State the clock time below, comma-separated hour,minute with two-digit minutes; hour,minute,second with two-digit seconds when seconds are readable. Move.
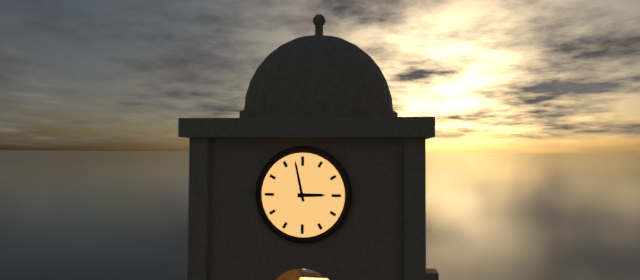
2,58
